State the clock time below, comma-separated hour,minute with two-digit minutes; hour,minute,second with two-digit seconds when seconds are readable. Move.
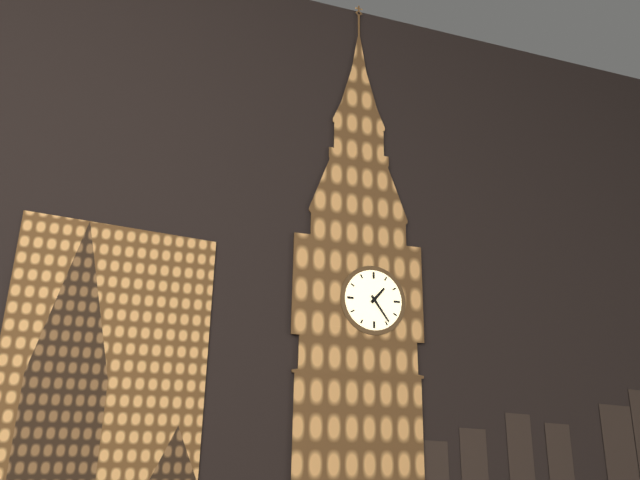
1,24
